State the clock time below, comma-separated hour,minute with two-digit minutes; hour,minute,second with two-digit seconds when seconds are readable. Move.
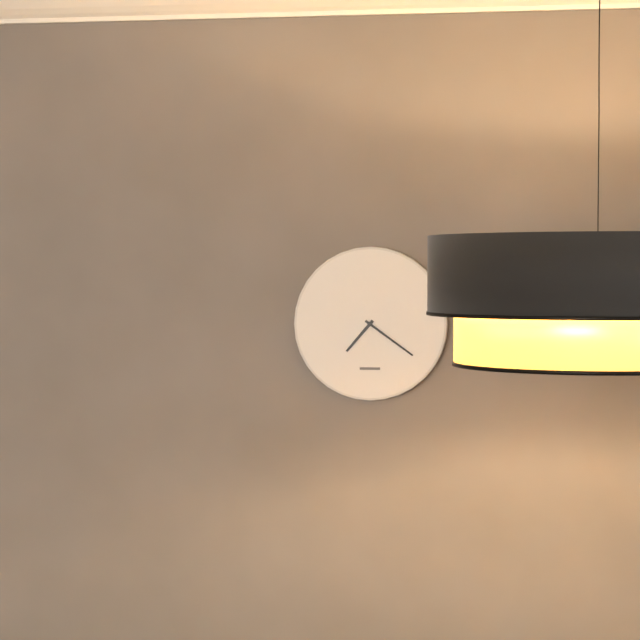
7,21
